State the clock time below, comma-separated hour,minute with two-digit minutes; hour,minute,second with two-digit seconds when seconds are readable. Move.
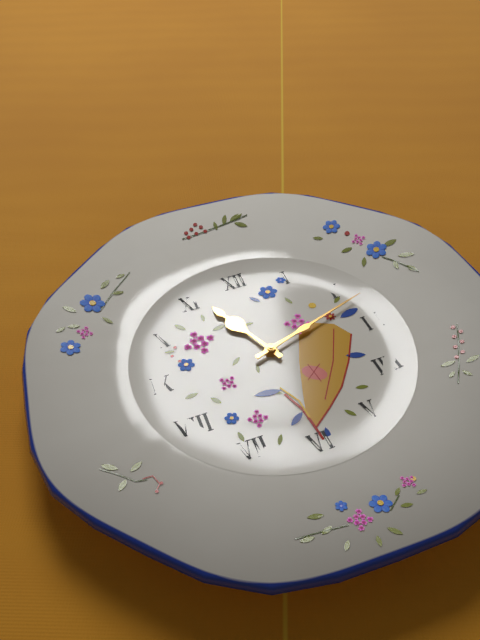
11,12
